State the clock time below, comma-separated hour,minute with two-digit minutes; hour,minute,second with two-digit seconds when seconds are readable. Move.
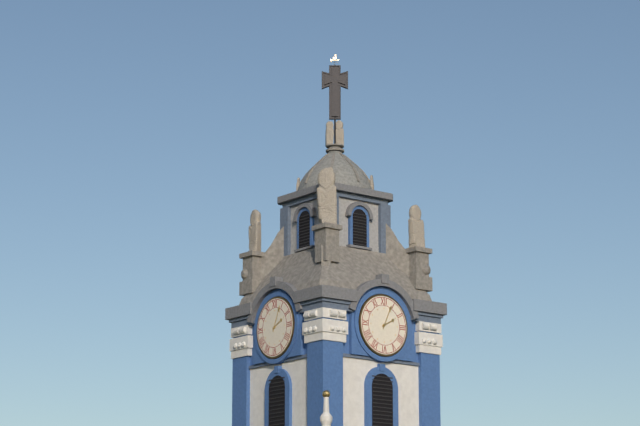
2,04
